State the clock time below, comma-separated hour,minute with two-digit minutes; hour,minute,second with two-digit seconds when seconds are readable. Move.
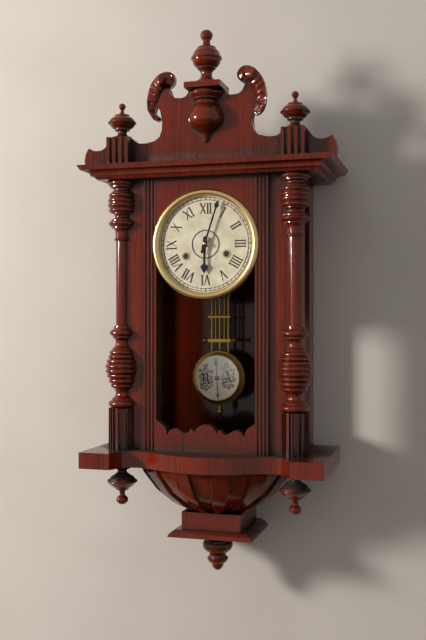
6,03
